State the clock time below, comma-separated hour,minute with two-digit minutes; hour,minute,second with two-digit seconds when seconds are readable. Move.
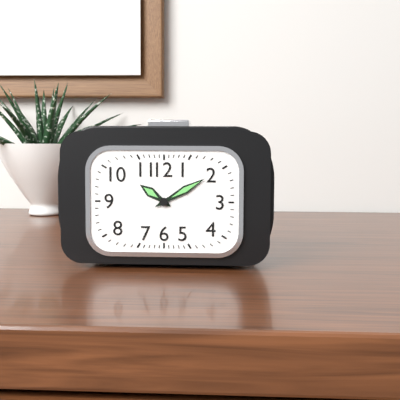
10,10
